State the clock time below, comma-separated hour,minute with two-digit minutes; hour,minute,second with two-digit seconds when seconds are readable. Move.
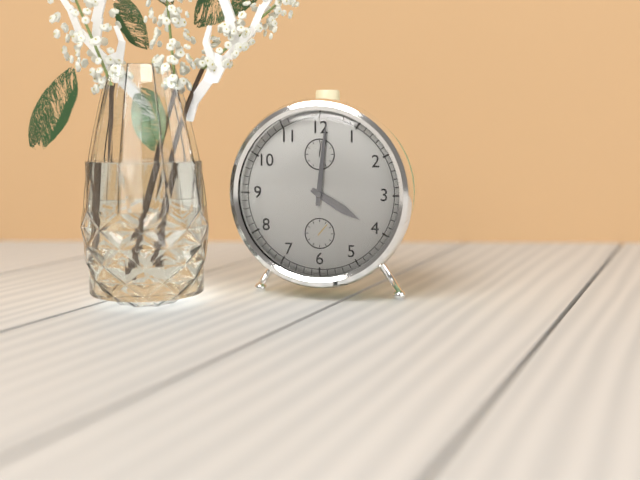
4,01
